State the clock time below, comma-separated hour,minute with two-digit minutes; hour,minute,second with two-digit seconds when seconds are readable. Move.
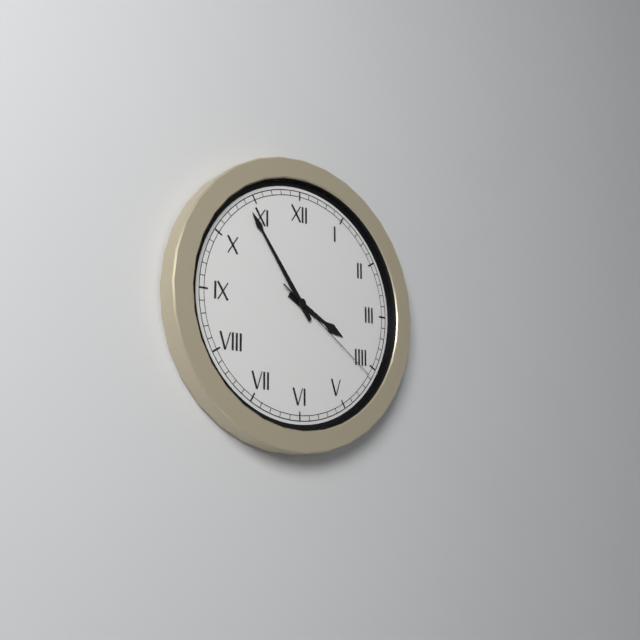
3,54,21
